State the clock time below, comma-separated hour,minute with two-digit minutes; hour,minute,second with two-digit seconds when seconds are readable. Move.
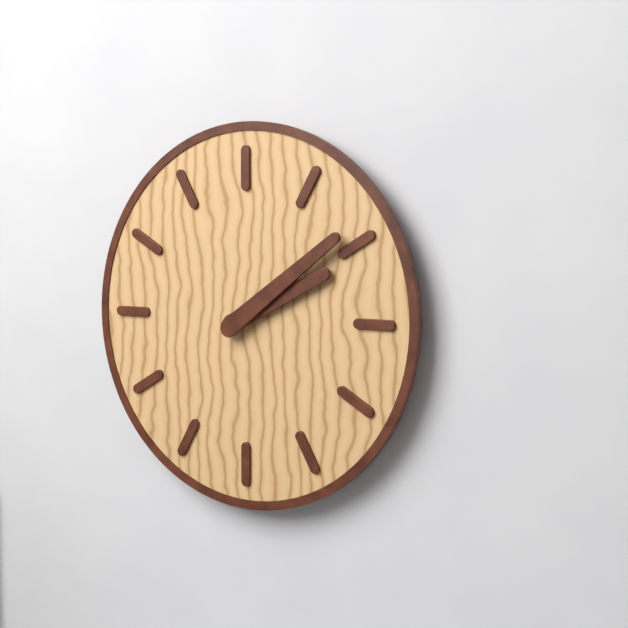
2,09
